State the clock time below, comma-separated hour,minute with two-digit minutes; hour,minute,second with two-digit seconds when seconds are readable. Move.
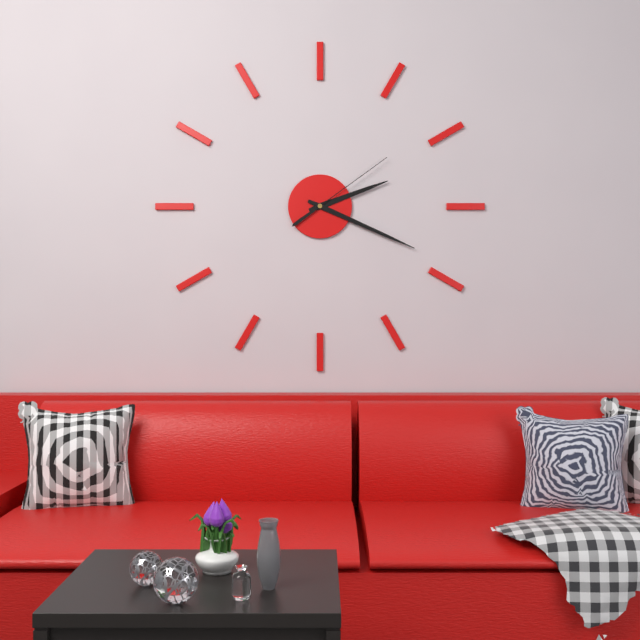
2,19,09
